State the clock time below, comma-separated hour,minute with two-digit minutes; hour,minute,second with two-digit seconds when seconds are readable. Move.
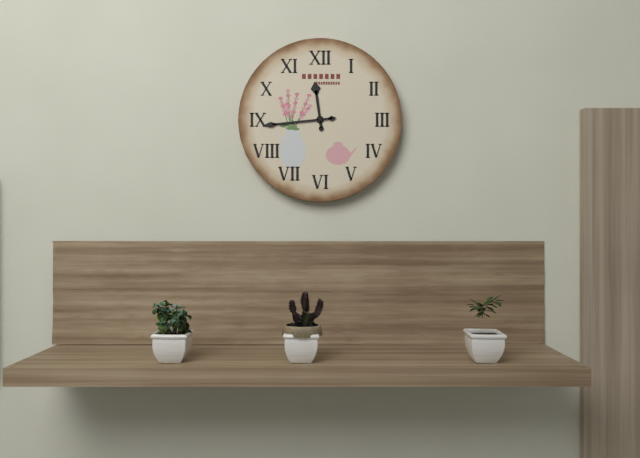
11,44
